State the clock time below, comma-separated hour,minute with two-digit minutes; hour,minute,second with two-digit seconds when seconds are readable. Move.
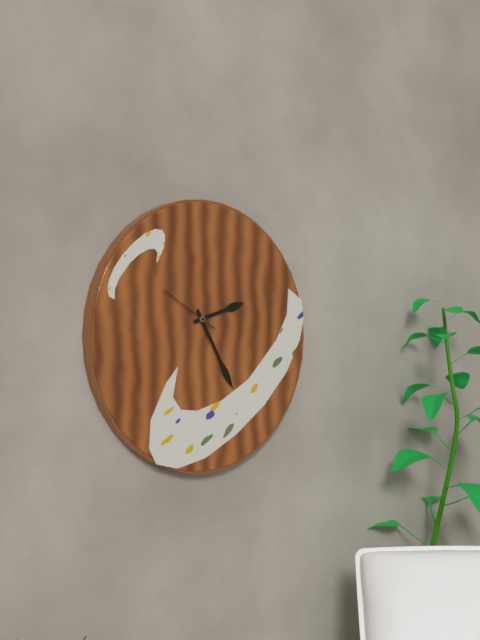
2,25,50
